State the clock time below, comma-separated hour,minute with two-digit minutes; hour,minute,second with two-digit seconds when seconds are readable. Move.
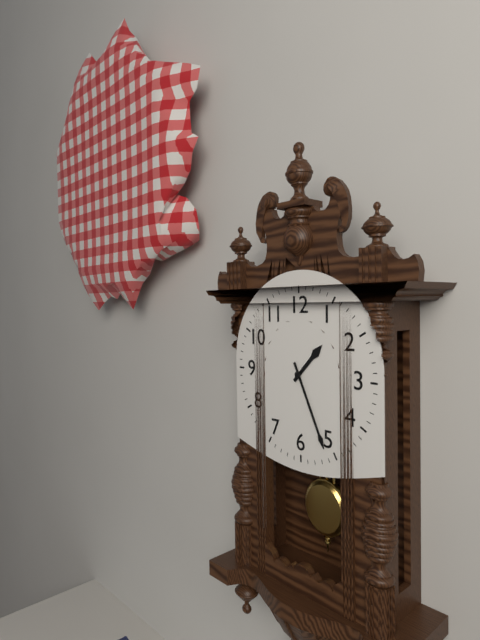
1,26
